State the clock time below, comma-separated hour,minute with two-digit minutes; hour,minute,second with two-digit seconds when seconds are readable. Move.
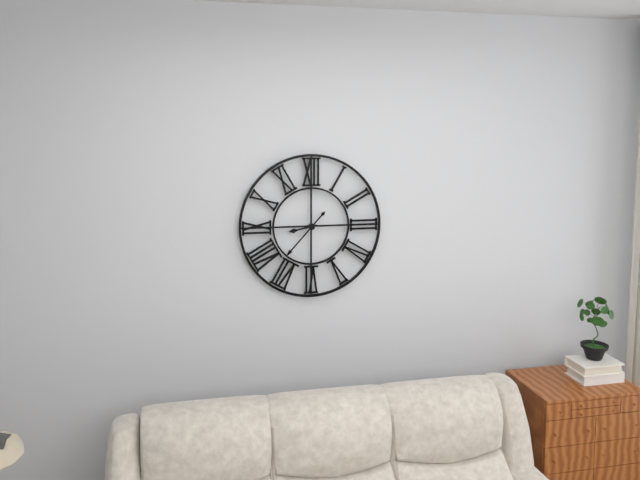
8,37
